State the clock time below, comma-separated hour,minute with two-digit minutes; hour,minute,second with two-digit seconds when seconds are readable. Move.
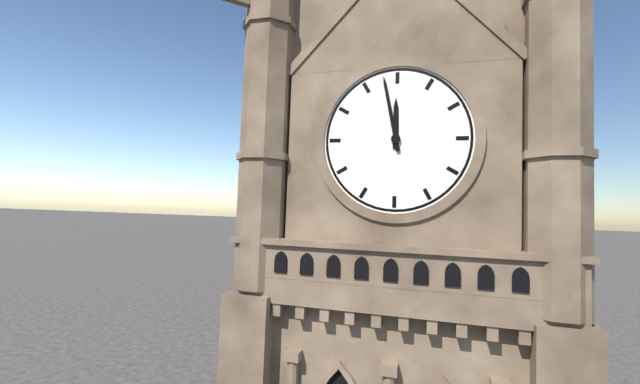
11,58
